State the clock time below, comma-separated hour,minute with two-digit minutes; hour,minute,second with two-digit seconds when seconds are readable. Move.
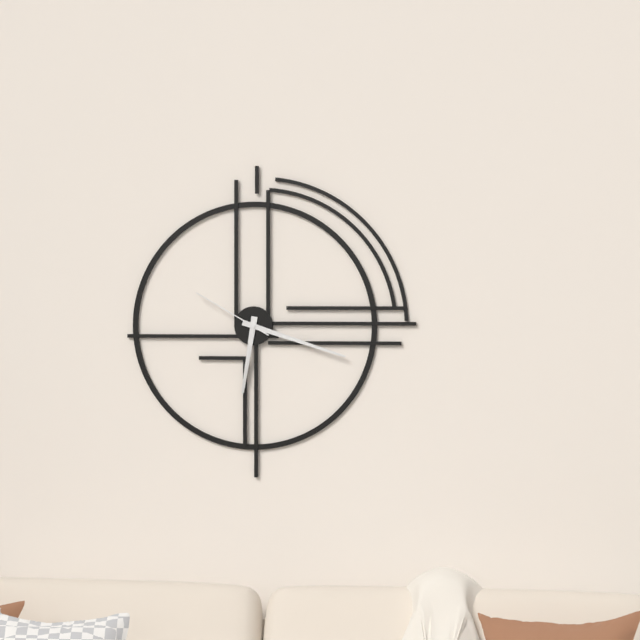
6,18,50
